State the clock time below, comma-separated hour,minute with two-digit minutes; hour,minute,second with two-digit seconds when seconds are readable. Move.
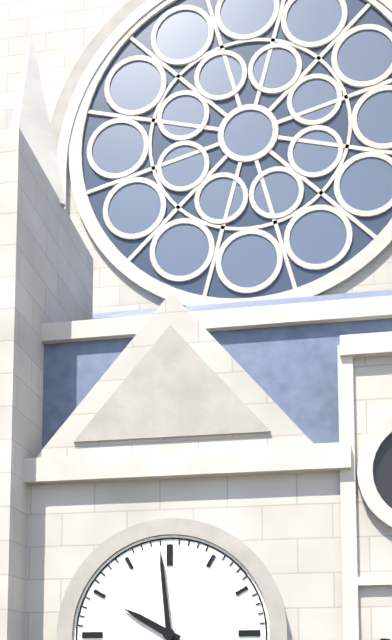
9,59
